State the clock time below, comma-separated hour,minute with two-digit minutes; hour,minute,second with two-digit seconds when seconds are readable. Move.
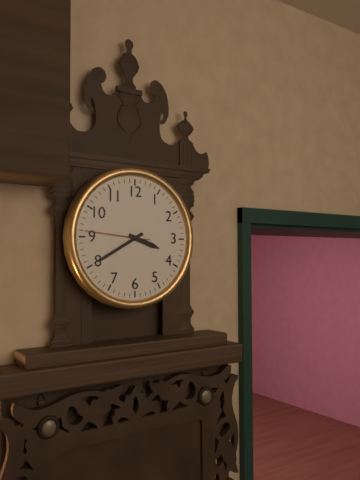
3,40,46
